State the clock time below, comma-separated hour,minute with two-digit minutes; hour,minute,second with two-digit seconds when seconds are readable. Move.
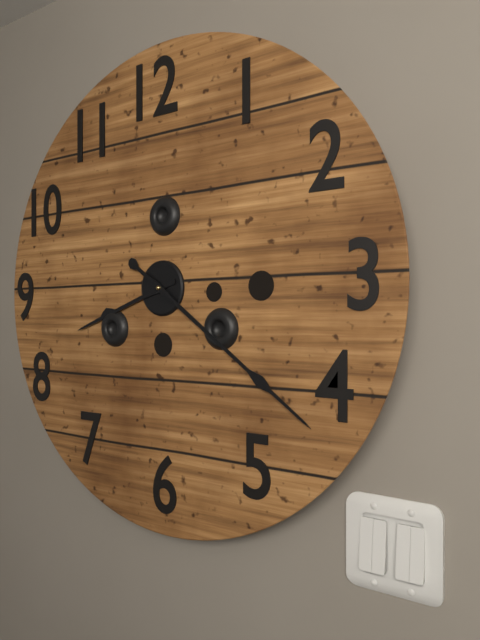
8,21
